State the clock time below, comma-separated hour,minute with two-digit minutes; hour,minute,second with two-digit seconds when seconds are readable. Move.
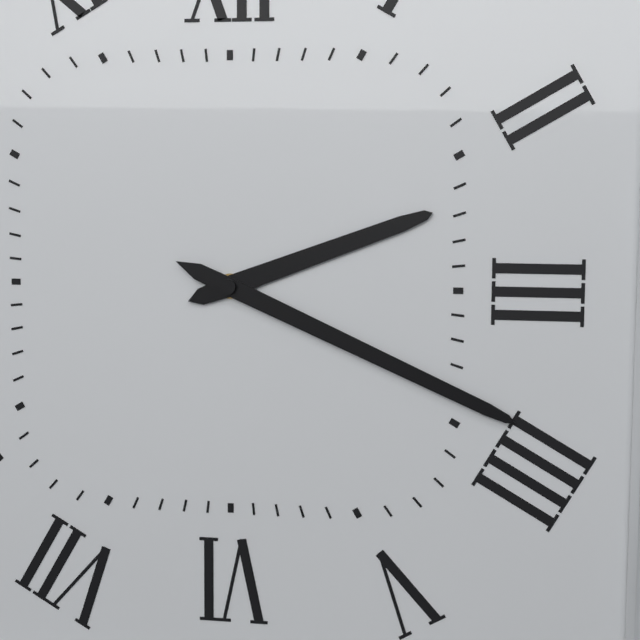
2,19
